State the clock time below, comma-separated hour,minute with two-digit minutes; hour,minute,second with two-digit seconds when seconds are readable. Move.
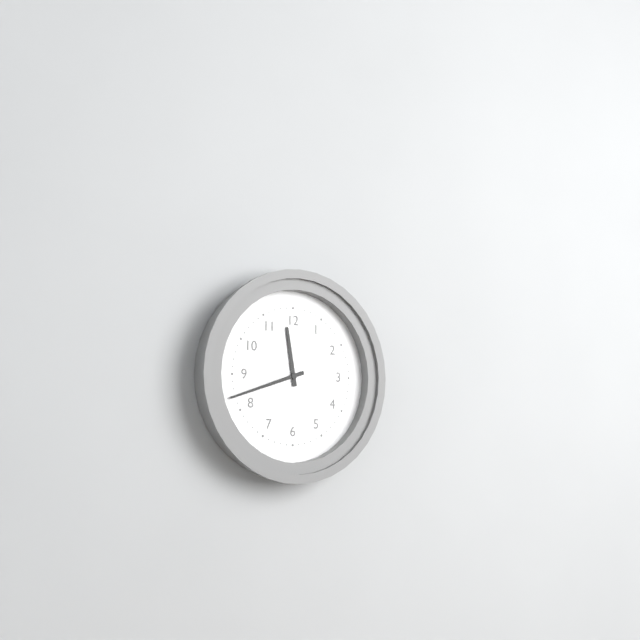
11,42
